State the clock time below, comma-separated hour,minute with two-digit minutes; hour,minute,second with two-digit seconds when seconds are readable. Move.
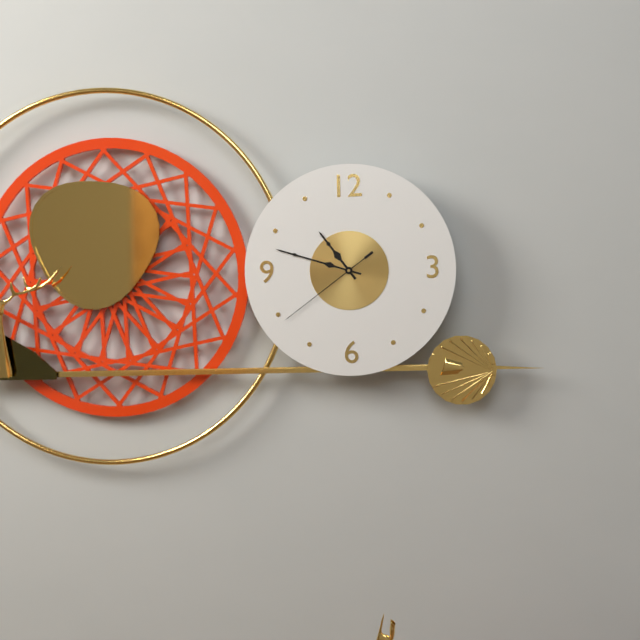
10,48,39
